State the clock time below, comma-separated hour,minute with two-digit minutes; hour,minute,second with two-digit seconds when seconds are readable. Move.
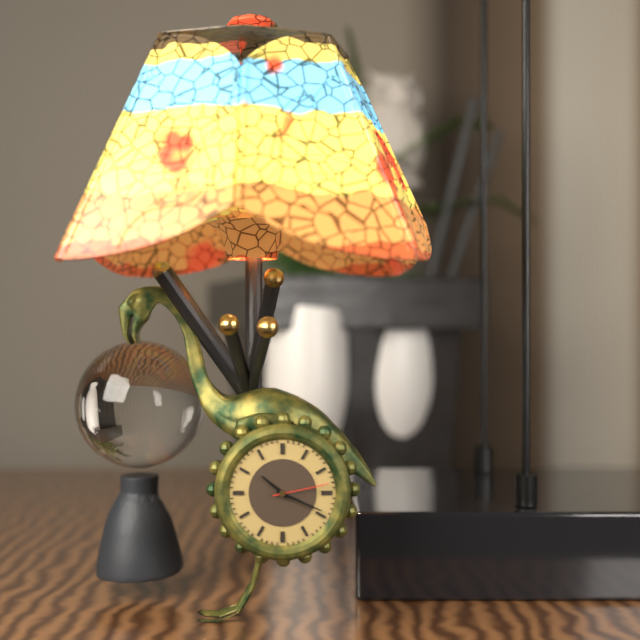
10,19,13
